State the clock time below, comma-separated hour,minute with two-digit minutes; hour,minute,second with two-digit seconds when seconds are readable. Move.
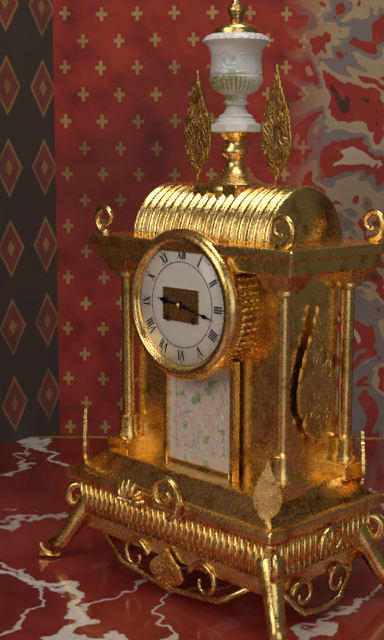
9,17
